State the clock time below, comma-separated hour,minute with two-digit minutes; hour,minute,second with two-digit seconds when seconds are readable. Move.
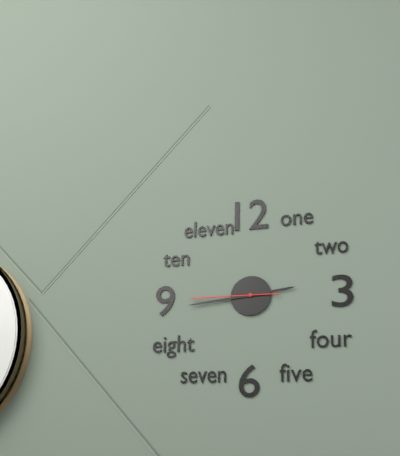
2,44,45
